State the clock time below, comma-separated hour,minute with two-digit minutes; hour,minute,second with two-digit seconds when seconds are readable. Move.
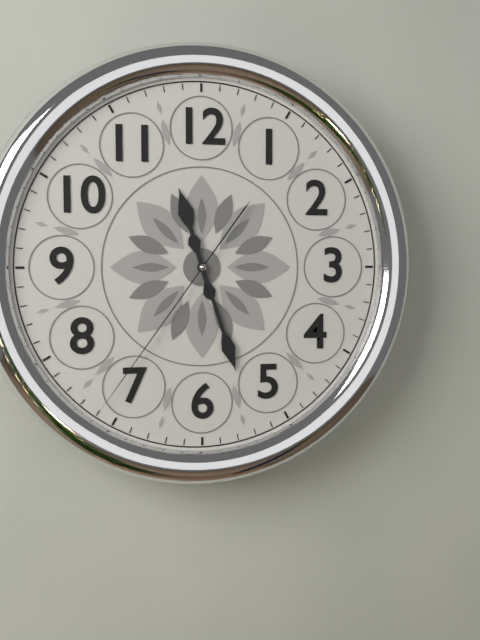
11,27,36
